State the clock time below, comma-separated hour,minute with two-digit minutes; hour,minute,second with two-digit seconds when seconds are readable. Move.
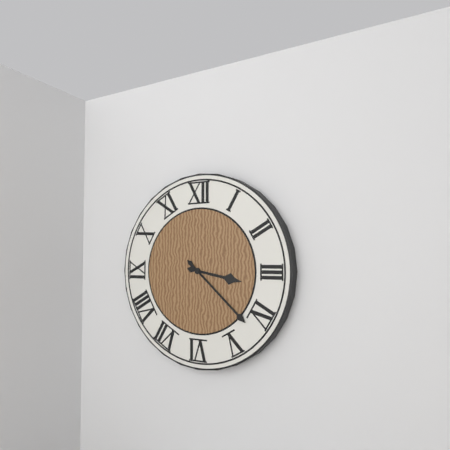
3,22
